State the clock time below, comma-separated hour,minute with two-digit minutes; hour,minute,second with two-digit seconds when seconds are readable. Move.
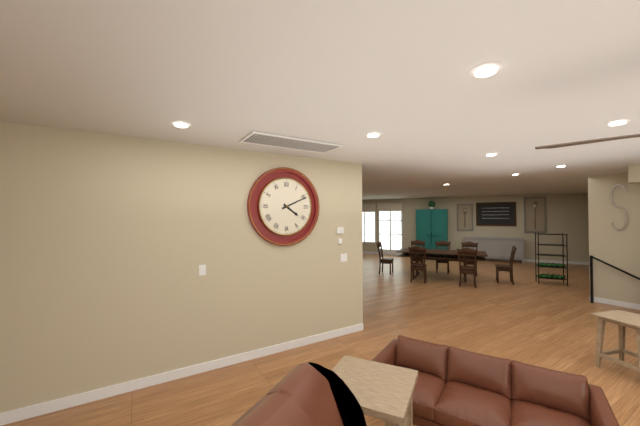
4,11
